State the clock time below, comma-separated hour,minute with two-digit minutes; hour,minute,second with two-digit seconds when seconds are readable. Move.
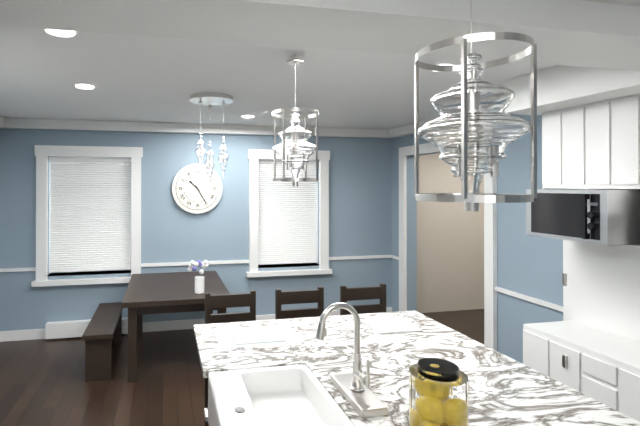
10,25
